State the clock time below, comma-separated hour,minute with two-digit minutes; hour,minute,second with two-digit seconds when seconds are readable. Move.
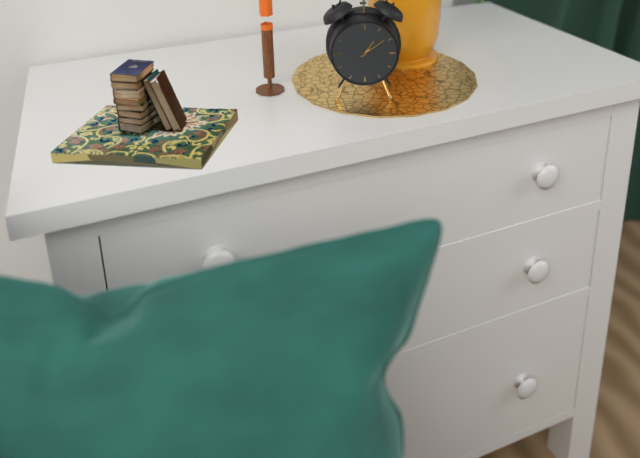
1,09
